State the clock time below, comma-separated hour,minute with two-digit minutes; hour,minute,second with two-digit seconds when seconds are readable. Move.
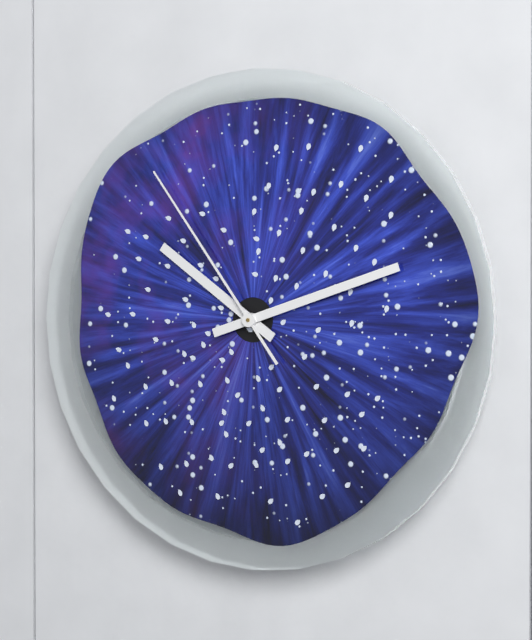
10,12,54
